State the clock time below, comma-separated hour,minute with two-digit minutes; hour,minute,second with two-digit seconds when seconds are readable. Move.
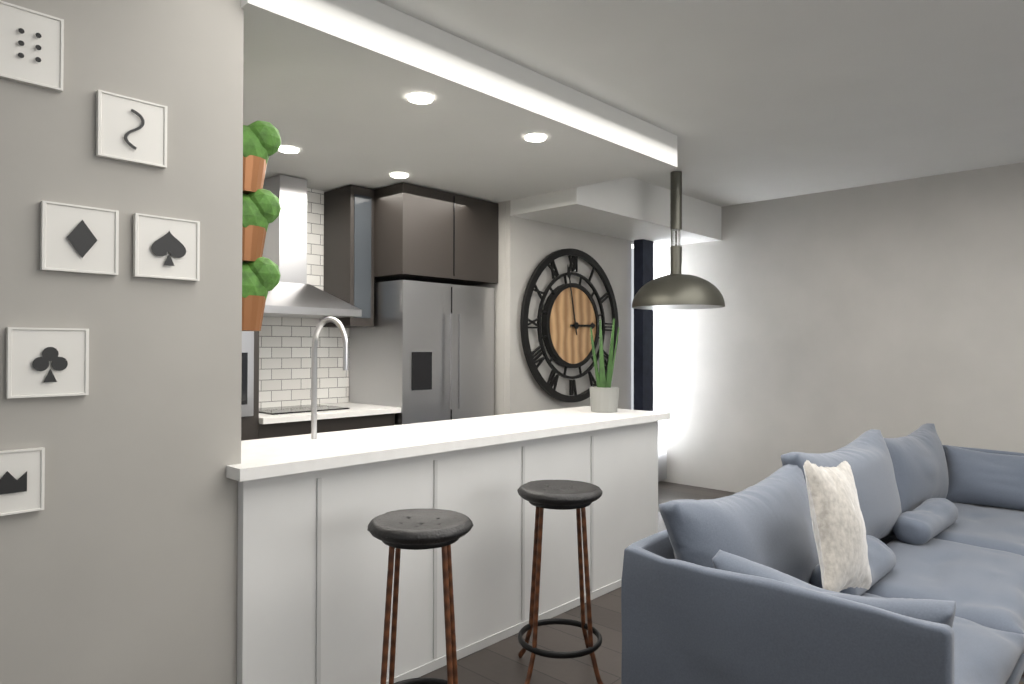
2,58
